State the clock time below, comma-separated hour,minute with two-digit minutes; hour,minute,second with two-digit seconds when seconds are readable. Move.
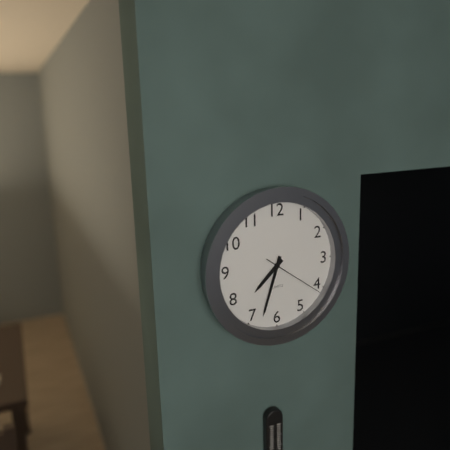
7,33,21
